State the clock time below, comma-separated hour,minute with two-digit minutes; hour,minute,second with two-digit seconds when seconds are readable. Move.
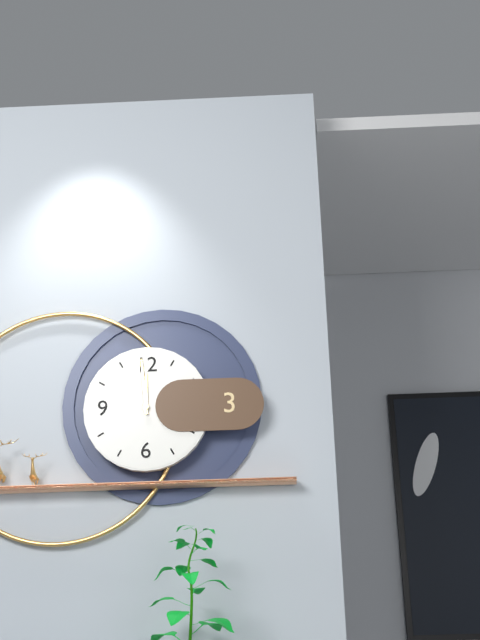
11,59
